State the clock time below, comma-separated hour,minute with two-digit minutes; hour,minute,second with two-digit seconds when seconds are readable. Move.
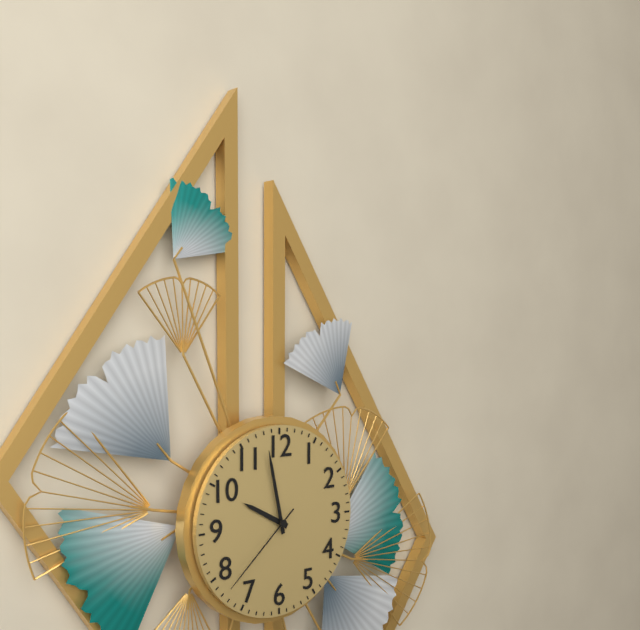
9,58,38
